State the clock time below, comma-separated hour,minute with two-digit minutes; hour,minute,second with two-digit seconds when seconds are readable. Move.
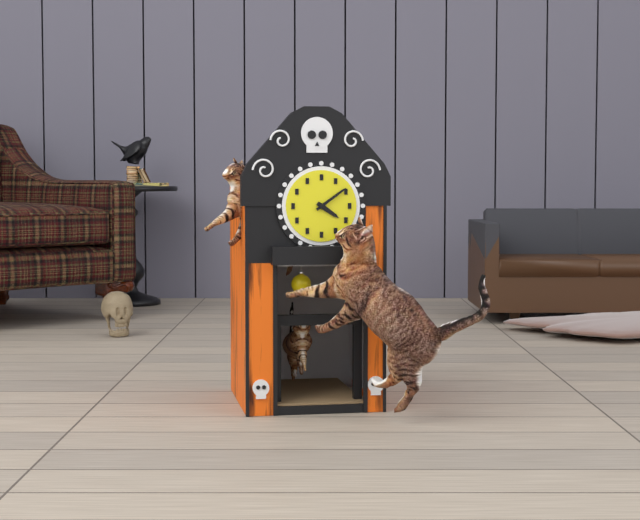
4,09
